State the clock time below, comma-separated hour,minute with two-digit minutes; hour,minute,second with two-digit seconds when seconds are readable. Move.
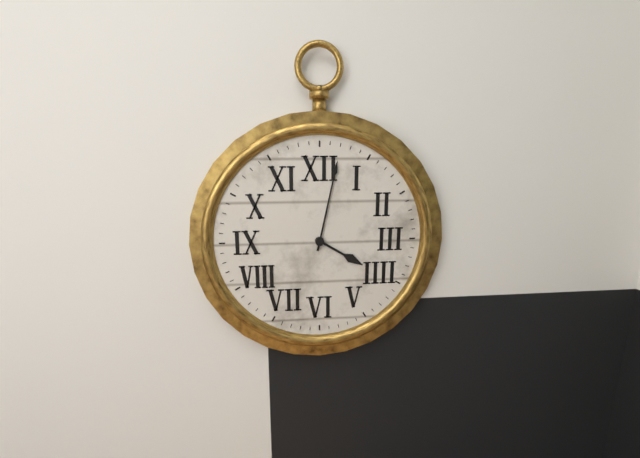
4,02
